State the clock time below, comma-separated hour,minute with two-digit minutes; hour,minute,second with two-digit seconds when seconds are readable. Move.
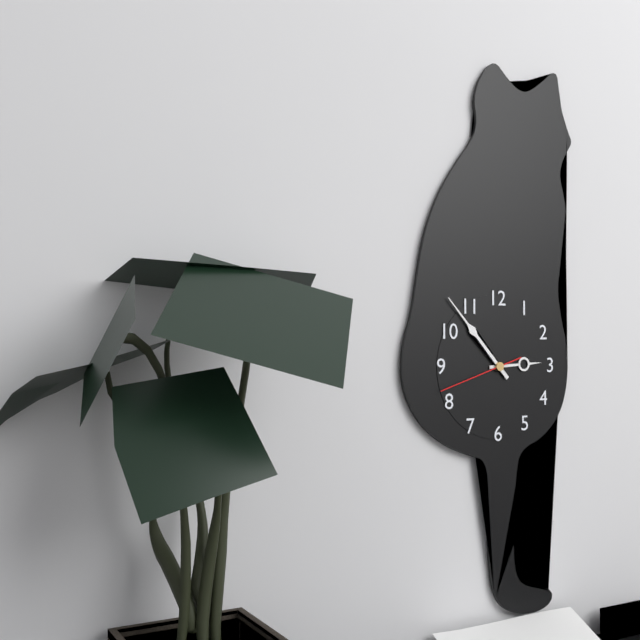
2,53,42
